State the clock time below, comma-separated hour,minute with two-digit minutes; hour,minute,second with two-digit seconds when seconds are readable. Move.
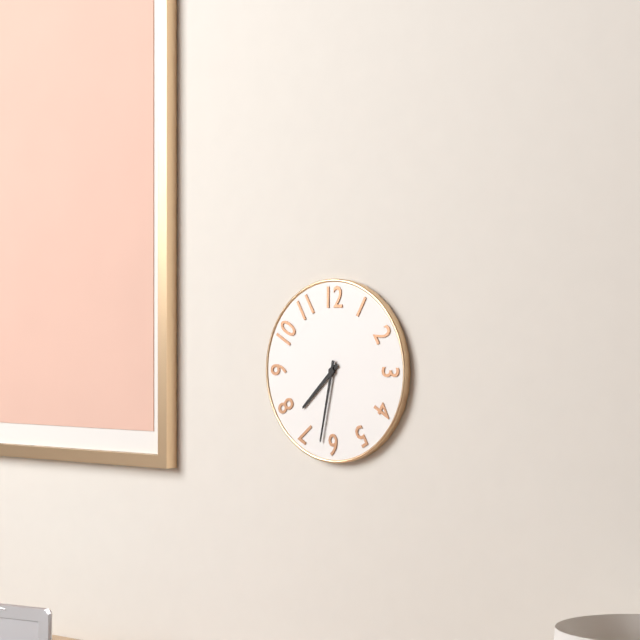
7,32
